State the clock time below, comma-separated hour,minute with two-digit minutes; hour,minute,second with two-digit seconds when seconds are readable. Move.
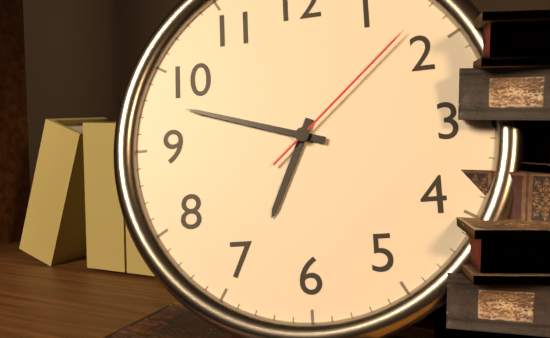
6,48,08
